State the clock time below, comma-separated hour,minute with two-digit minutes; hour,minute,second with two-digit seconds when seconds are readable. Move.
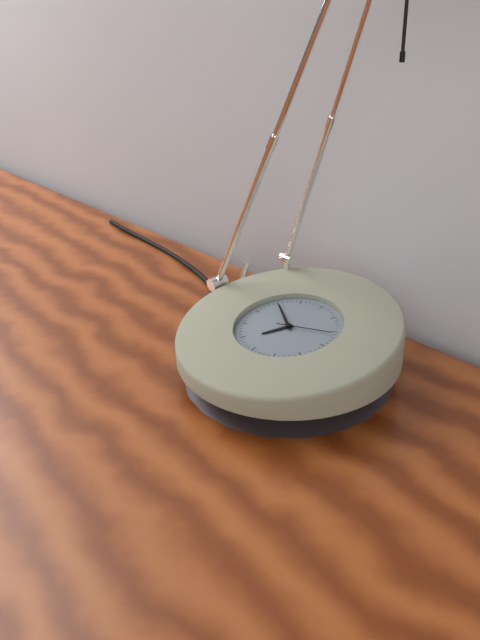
6,50,11
